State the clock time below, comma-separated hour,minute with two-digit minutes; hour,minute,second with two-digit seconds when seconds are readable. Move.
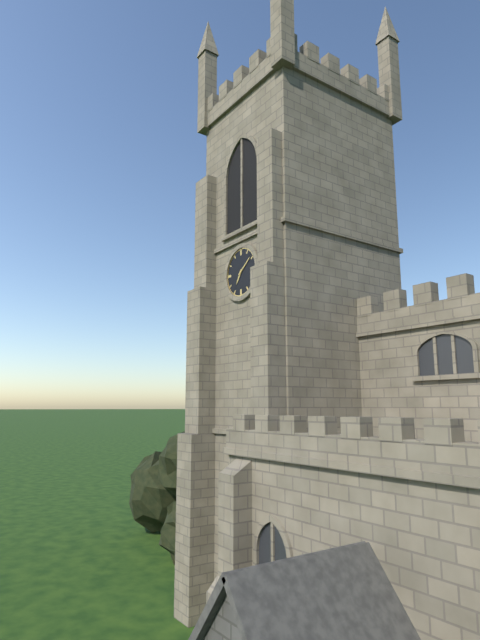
7,09
